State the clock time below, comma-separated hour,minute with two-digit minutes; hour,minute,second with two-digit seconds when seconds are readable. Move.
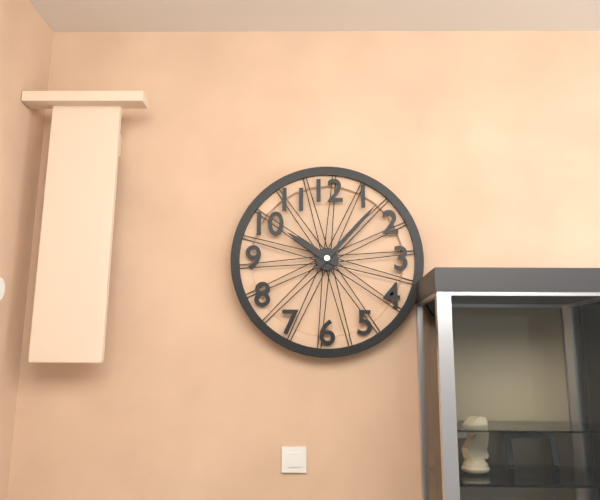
10,07
